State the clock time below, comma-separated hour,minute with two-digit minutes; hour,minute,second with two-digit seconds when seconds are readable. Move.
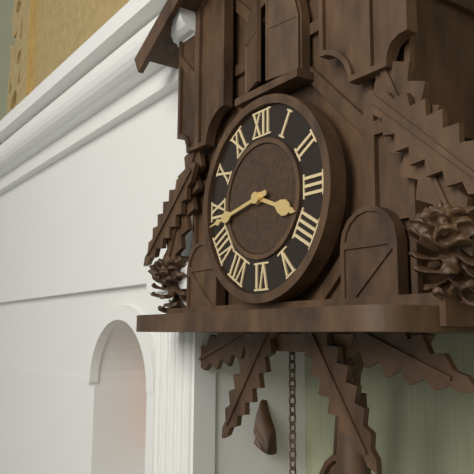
3,43
